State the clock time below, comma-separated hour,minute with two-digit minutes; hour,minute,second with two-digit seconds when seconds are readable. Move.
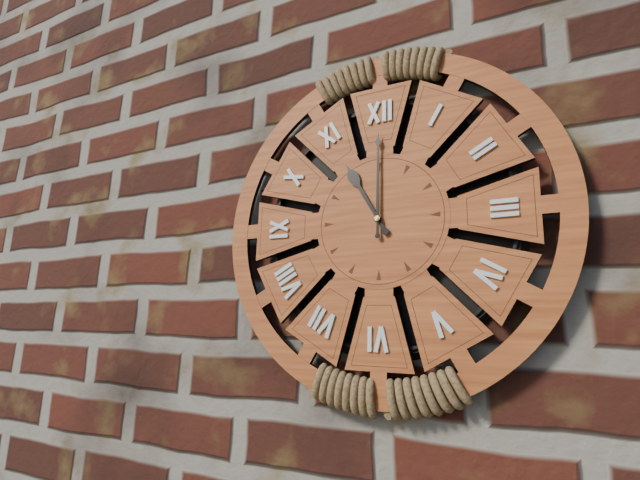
11,00
